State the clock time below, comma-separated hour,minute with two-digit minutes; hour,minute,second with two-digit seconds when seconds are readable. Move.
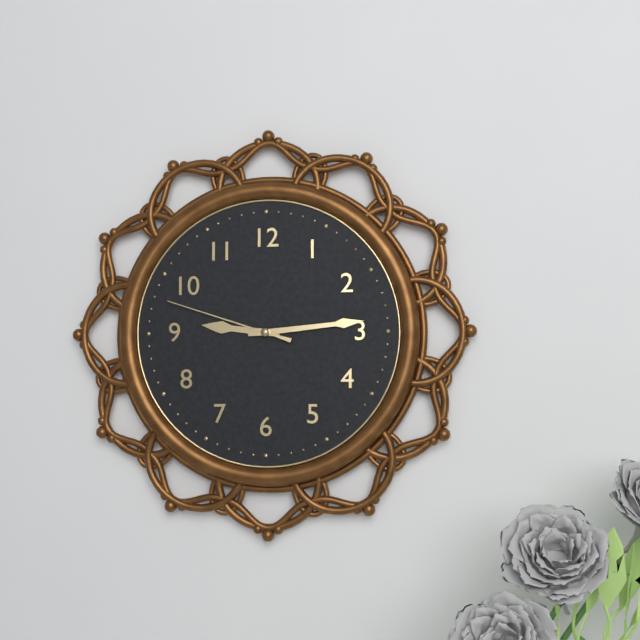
9,14,48
